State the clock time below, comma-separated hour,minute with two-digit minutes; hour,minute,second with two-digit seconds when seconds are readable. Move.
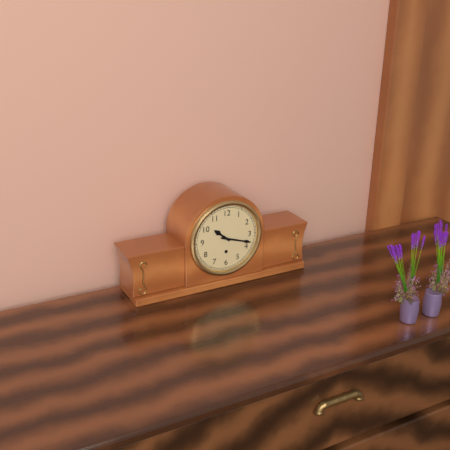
10,18
